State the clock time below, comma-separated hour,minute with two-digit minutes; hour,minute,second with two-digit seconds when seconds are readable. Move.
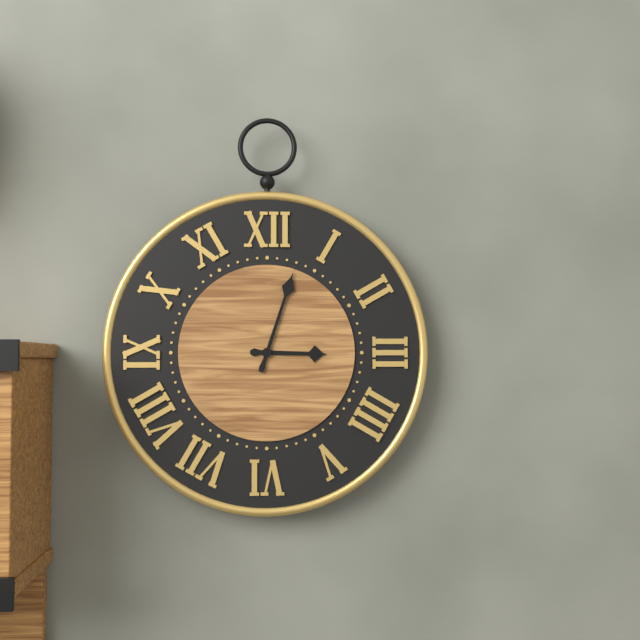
3,03
